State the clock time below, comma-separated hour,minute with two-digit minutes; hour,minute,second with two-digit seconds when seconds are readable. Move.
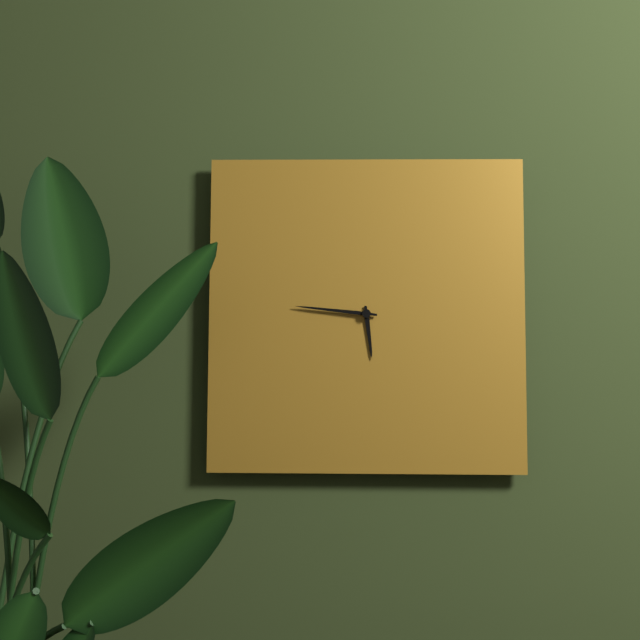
5,46
